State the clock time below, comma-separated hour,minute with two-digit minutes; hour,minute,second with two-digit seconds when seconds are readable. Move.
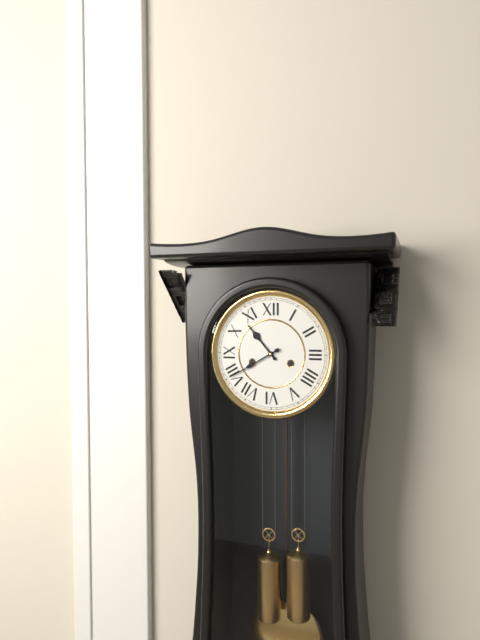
10,40
